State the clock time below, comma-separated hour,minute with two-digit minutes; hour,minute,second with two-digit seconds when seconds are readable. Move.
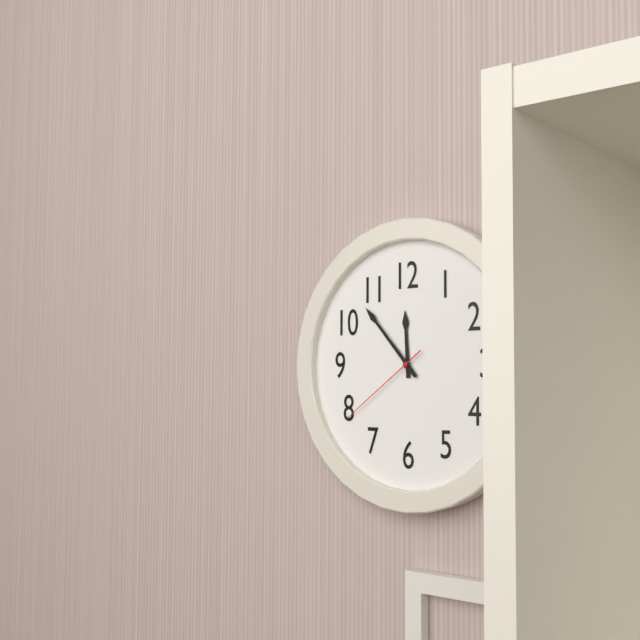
11,53,39
